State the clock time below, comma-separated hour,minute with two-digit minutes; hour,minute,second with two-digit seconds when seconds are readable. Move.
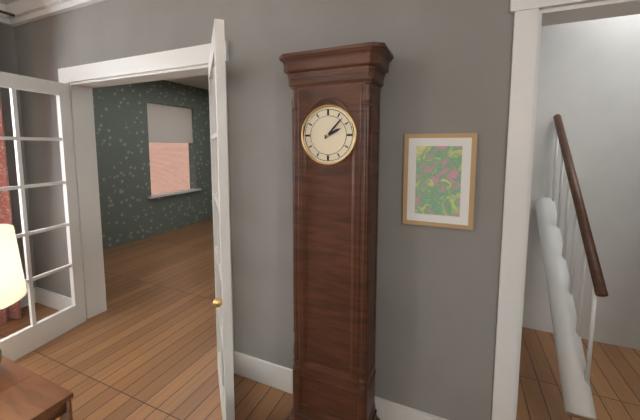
2,07
